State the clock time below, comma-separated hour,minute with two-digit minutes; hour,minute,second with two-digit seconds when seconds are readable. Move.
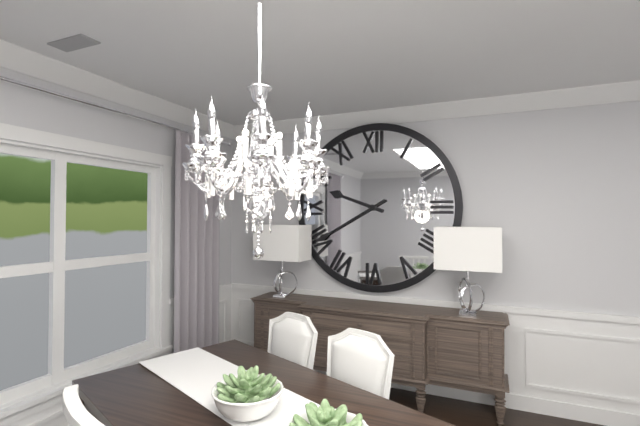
9,40
